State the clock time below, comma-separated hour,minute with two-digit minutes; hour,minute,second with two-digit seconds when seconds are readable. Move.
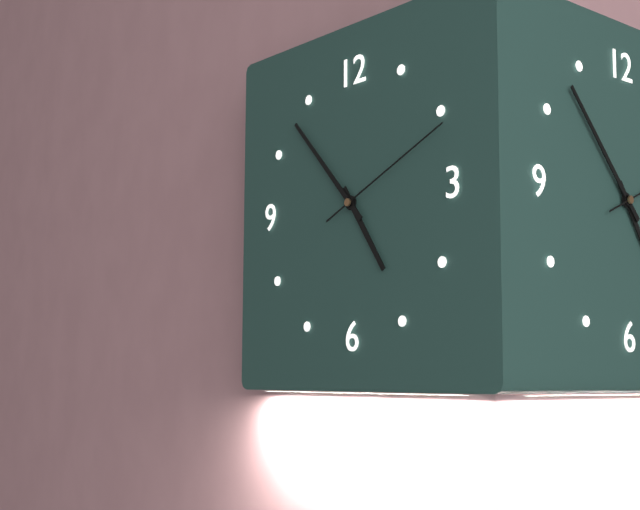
4,53,11
